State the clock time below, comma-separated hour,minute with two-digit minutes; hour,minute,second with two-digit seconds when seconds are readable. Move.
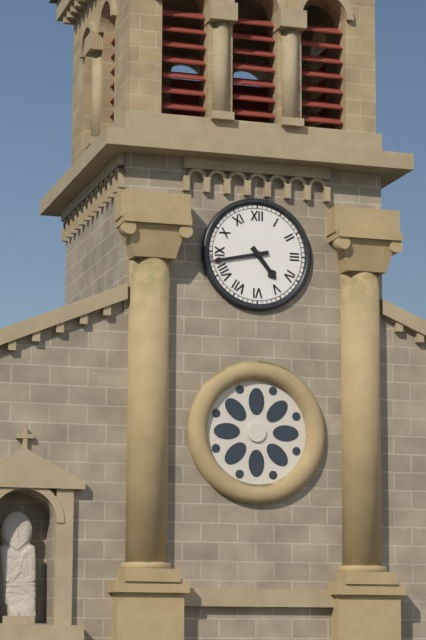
4,43
